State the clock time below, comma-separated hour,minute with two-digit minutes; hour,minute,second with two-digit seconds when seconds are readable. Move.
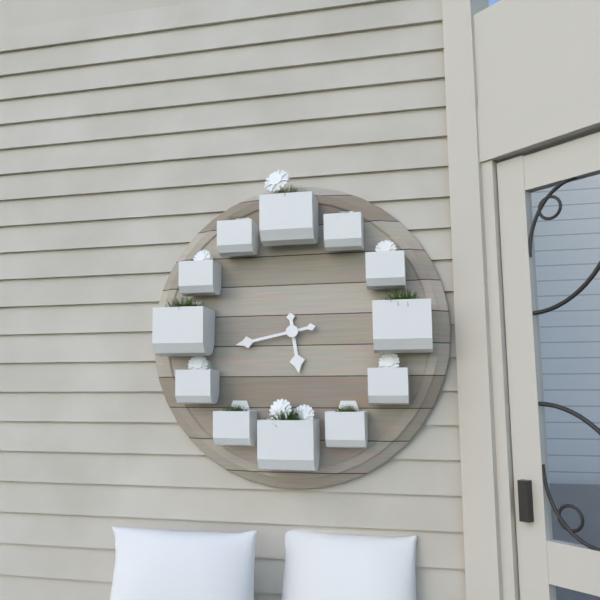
5,43
